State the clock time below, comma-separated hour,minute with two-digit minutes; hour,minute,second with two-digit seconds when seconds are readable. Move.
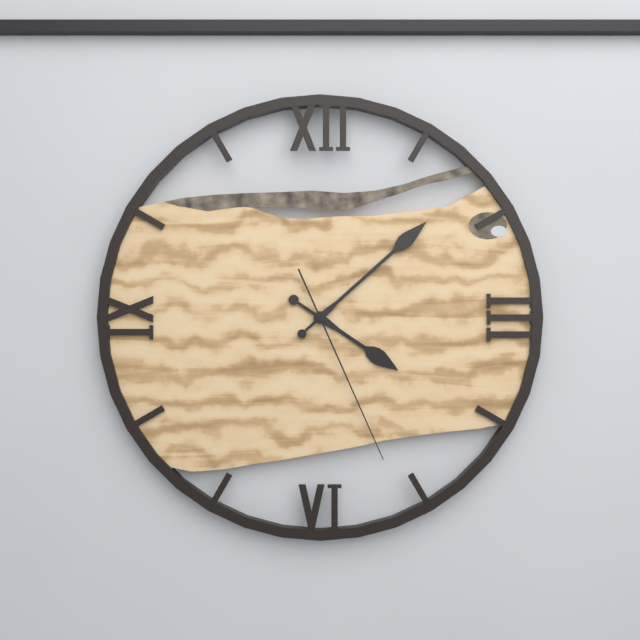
4,08,26
